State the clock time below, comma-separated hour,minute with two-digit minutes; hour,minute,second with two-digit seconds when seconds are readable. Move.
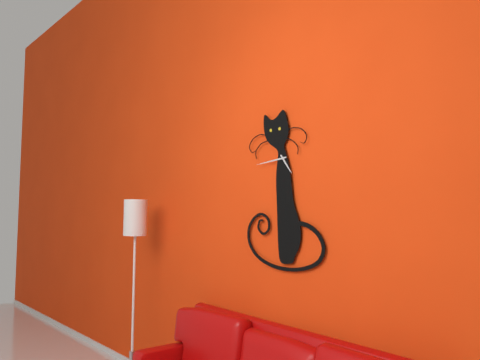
4,44
